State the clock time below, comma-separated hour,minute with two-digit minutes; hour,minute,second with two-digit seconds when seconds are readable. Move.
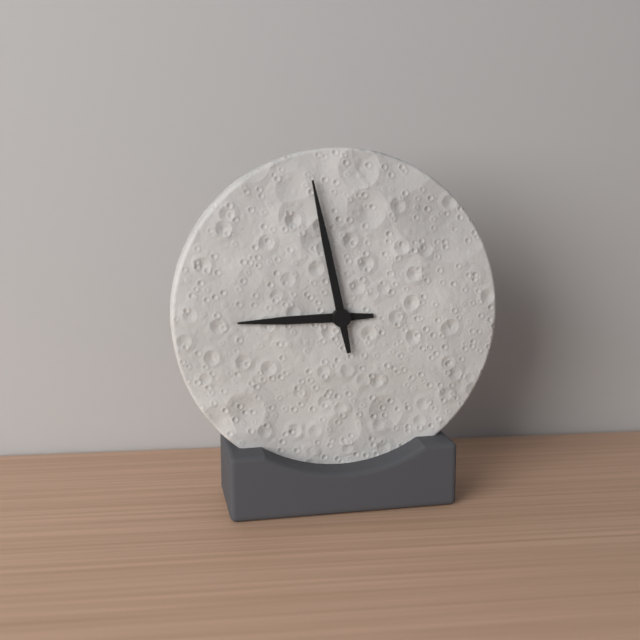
8,58
